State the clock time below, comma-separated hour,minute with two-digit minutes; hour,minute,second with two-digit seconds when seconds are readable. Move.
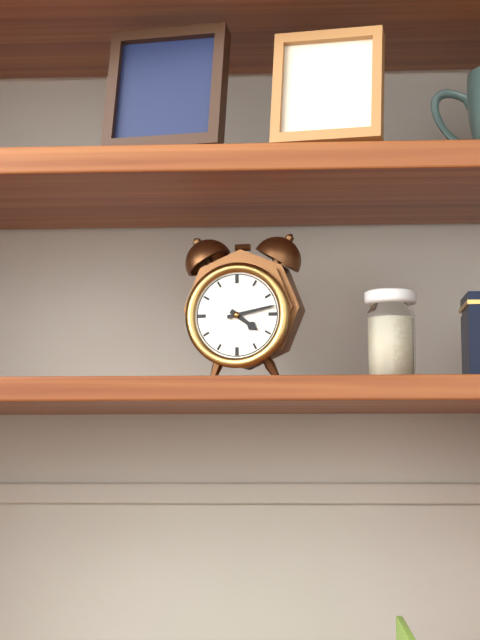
4,13
